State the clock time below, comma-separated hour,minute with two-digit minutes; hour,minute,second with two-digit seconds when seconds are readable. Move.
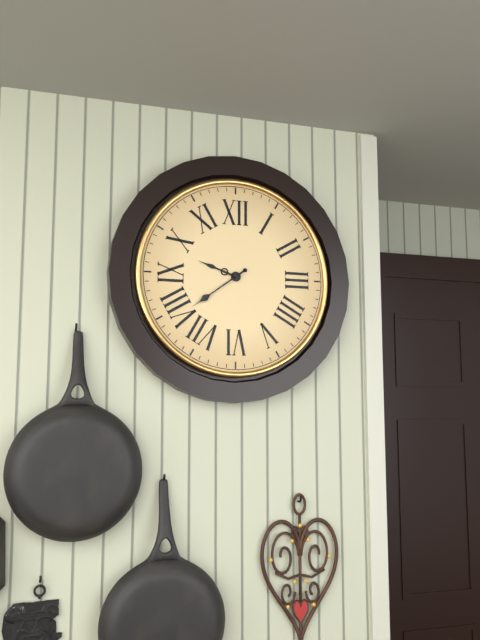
9,39
